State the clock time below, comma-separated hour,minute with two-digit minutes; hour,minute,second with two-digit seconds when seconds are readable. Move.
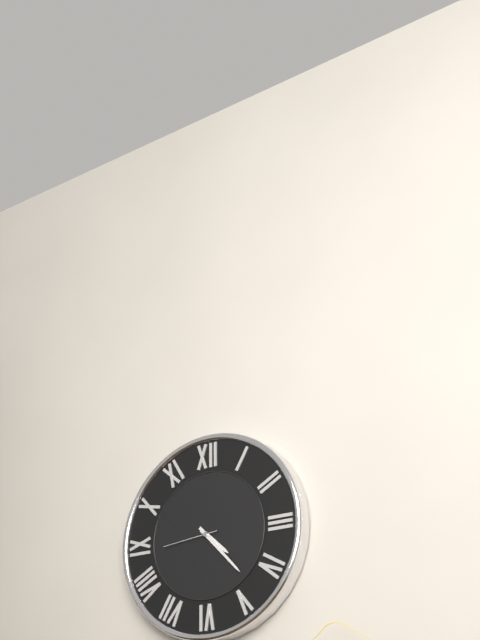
4,23,44
